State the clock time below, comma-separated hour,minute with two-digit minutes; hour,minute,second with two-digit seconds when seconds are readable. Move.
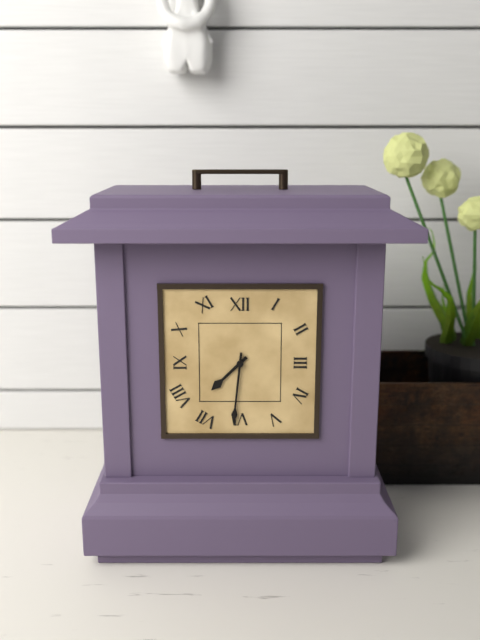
7,31
